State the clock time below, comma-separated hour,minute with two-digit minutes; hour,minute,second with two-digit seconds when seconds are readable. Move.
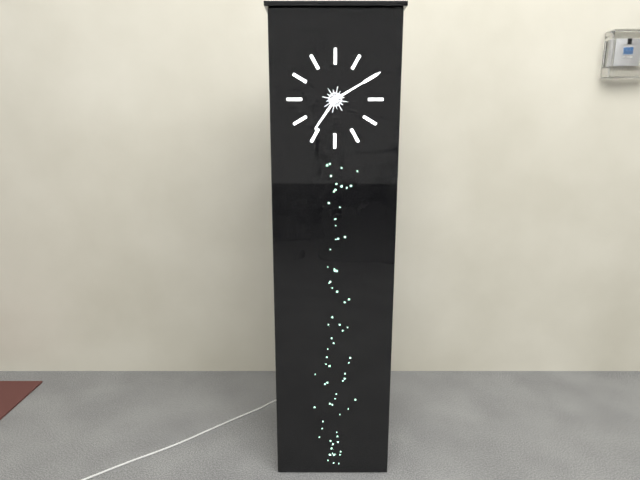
7,10
